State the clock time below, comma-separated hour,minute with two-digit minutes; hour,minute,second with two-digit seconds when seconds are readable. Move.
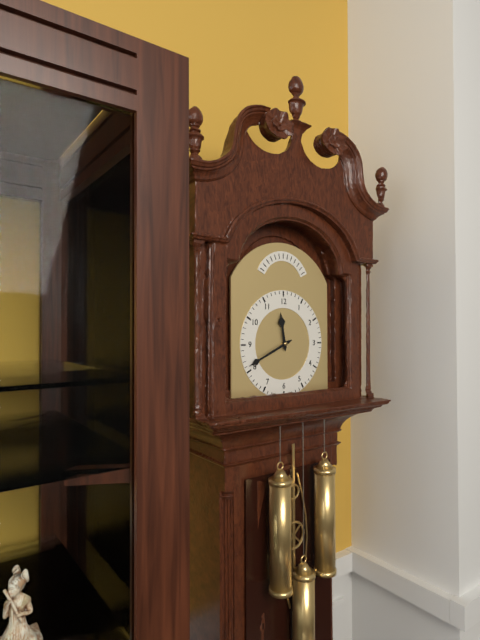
11,41
